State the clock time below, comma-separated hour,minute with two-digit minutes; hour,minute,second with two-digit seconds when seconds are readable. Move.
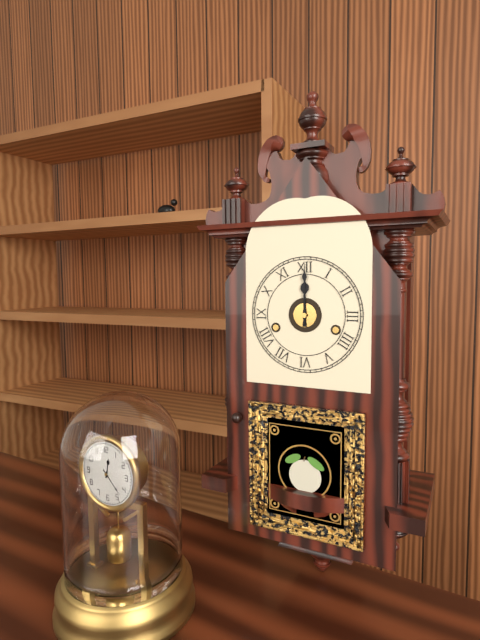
12,00
